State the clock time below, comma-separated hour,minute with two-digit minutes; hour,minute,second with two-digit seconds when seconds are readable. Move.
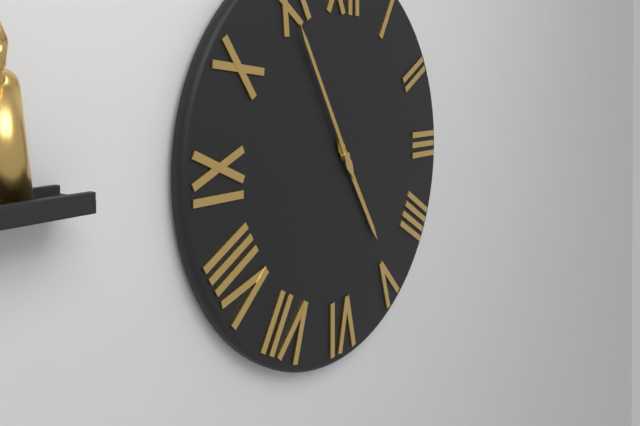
4,55
